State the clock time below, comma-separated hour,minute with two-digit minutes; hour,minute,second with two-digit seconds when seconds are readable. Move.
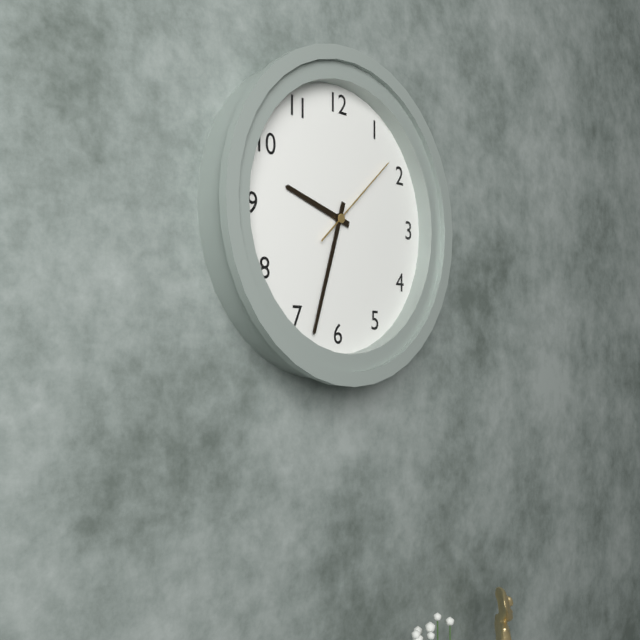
9,33,08
